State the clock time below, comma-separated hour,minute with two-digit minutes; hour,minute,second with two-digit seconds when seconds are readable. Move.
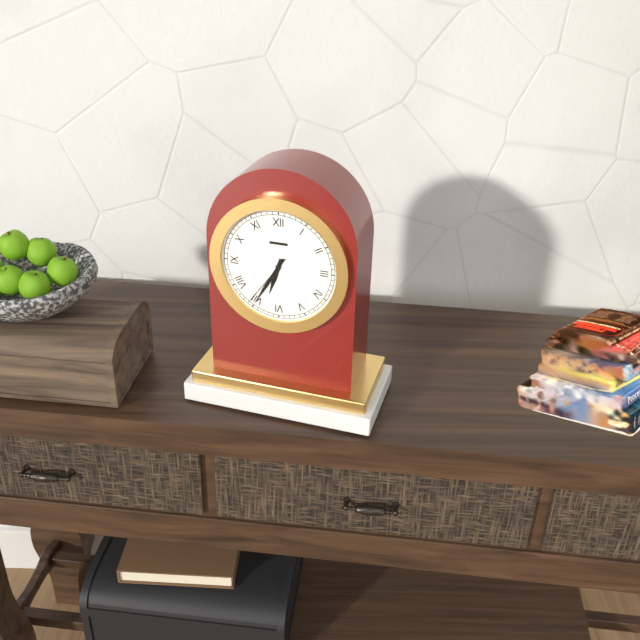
6,35,36
